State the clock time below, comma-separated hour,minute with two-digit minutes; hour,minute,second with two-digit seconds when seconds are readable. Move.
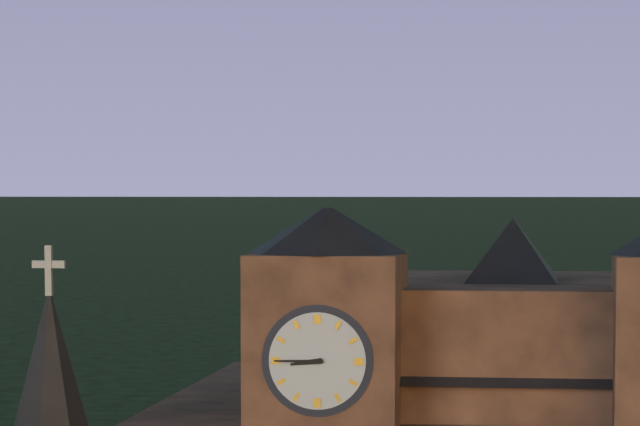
8,45
